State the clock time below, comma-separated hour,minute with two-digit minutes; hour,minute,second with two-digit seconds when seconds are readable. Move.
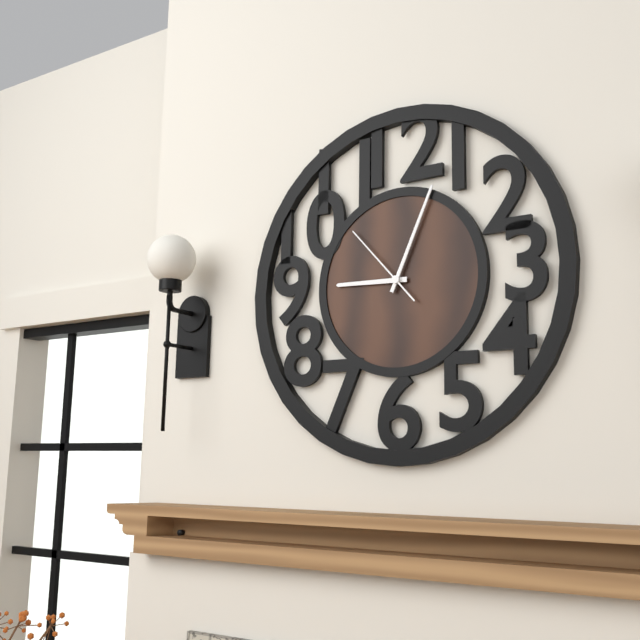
9,04,53
